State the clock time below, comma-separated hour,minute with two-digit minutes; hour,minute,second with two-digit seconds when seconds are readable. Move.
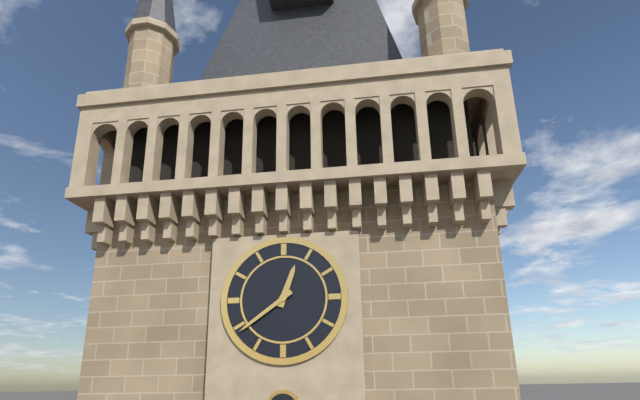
12,39
